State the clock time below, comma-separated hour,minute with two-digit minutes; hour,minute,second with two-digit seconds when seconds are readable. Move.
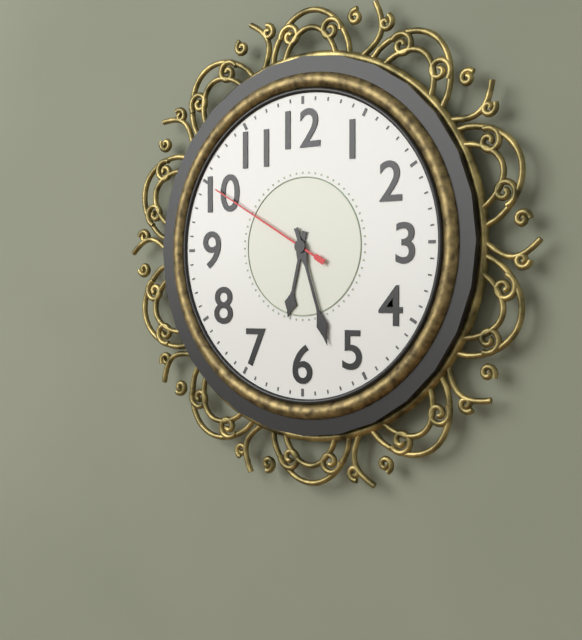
6,27,50
